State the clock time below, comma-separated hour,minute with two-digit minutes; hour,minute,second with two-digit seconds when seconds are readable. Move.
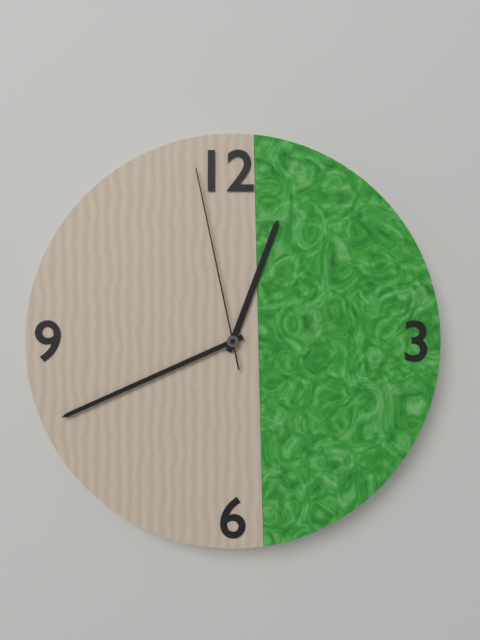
12,41,58
